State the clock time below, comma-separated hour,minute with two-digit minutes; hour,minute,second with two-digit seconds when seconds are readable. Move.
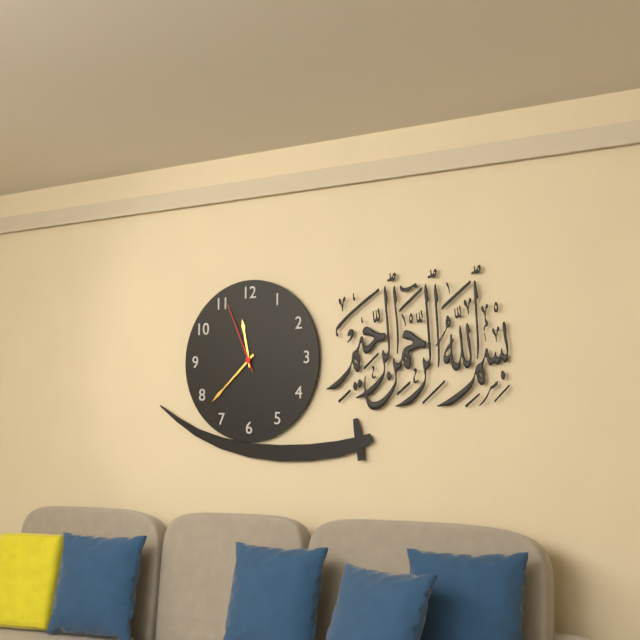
11,38,56
